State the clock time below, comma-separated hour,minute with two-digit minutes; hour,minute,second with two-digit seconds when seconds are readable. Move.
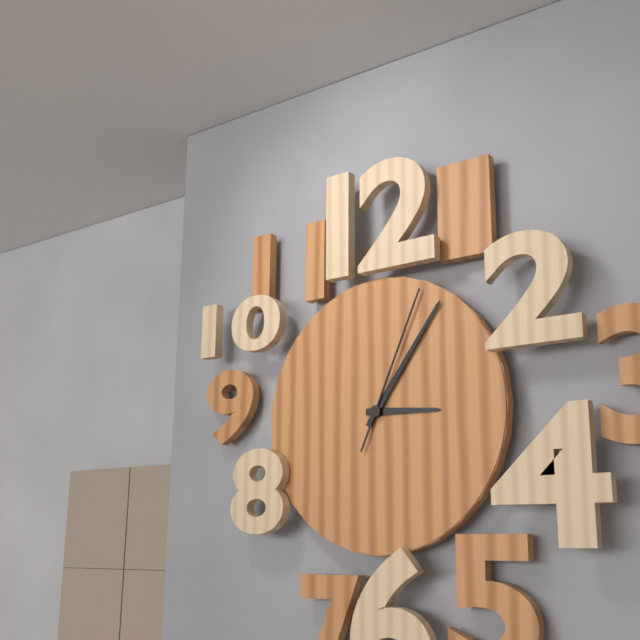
3,06,04
